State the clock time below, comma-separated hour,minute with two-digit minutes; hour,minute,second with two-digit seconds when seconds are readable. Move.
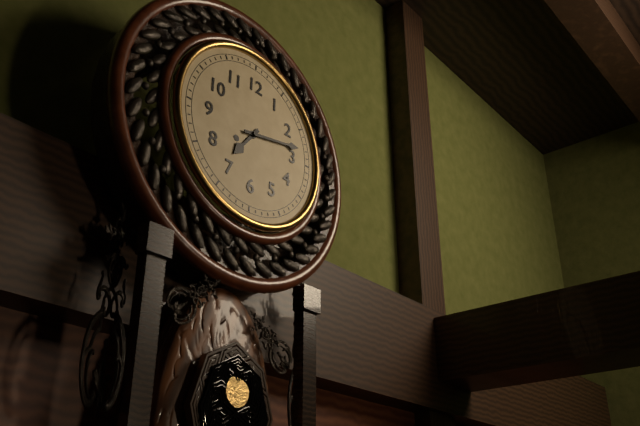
7,13
